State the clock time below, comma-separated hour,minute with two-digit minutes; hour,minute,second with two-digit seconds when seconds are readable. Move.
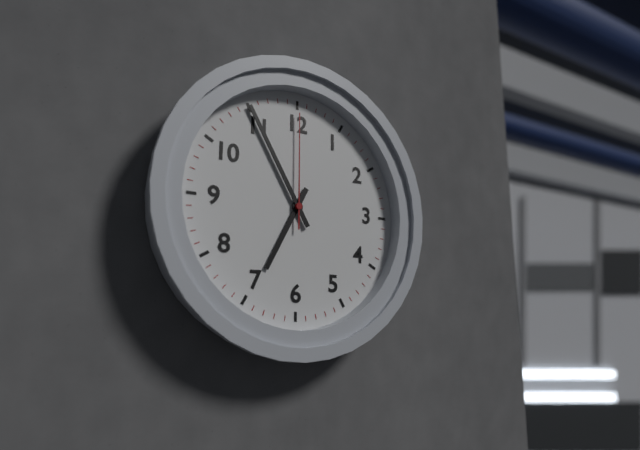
6,55,00
